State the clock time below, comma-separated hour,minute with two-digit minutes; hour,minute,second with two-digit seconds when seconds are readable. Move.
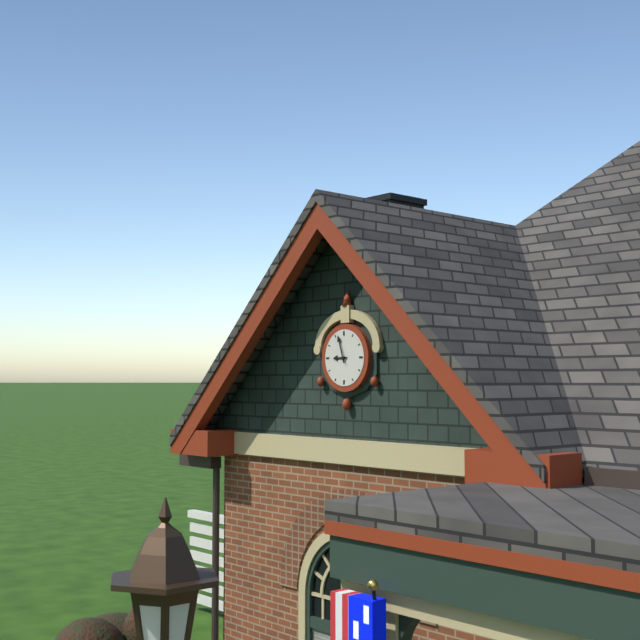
8,57
